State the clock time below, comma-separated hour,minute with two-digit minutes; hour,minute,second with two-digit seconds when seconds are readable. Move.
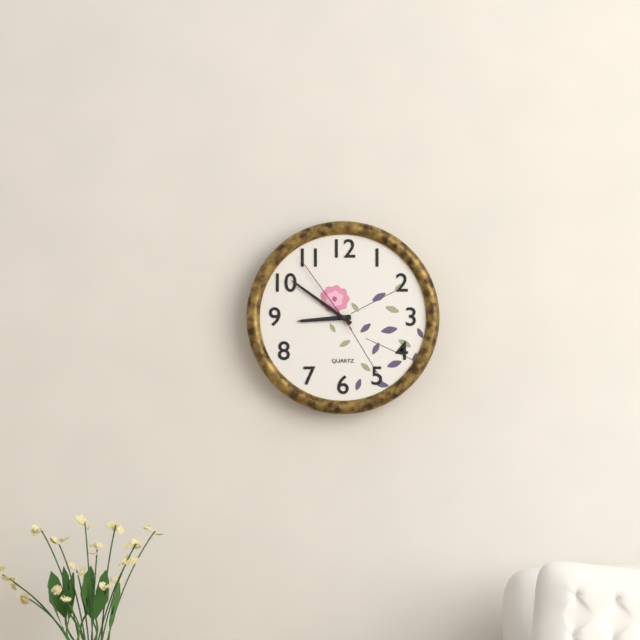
8,51,54
